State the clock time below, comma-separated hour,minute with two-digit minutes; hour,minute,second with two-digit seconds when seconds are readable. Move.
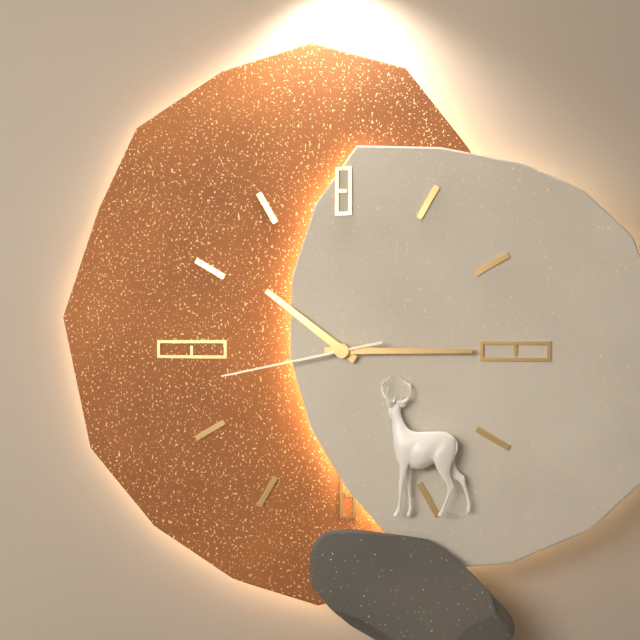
10,15,43
